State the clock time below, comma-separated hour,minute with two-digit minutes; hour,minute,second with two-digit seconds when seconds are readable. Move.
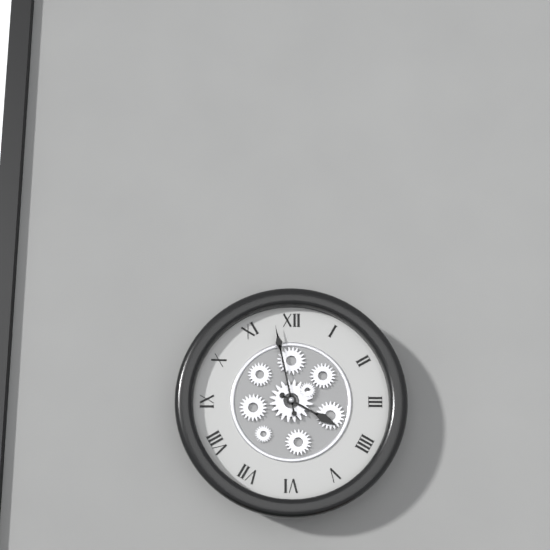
3,58
